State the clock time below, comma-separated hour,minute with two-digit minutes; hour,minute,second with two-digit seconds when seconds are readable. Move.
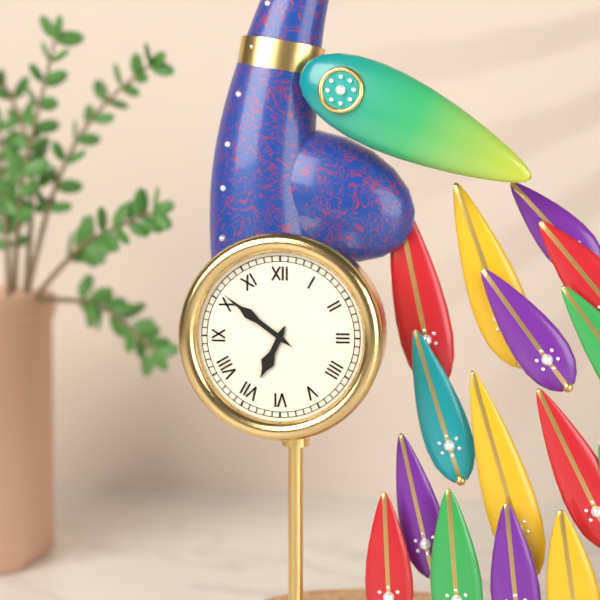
6,51
